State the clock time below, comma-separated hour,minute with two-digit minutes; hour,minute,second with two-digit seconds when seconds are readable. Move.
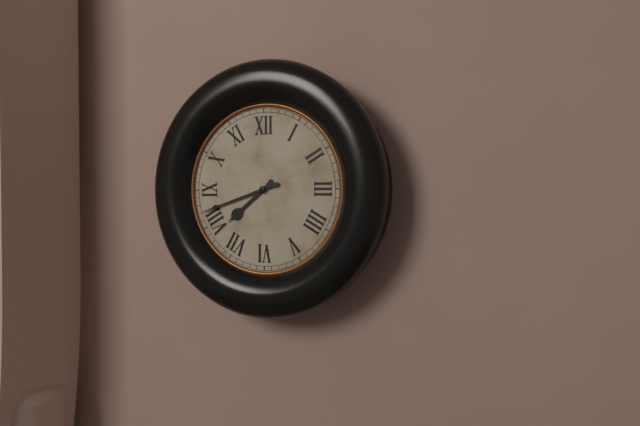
7,42
